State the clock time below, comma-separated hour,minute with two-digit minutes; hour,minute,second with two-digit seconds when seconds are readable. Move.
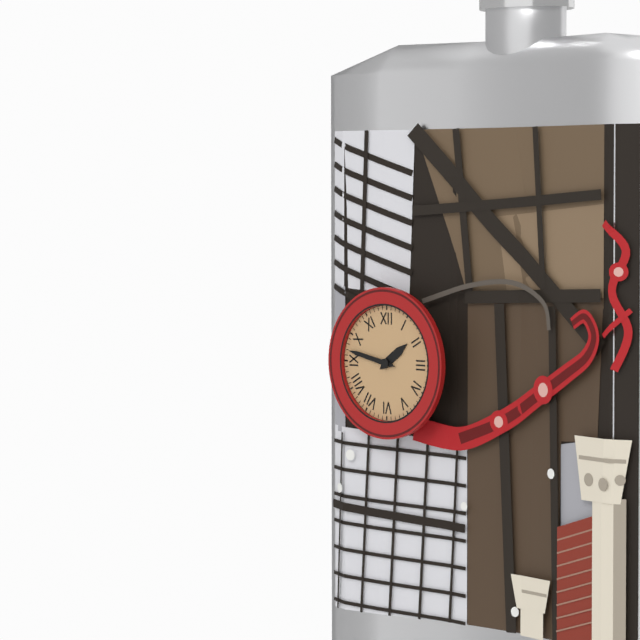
1,47
